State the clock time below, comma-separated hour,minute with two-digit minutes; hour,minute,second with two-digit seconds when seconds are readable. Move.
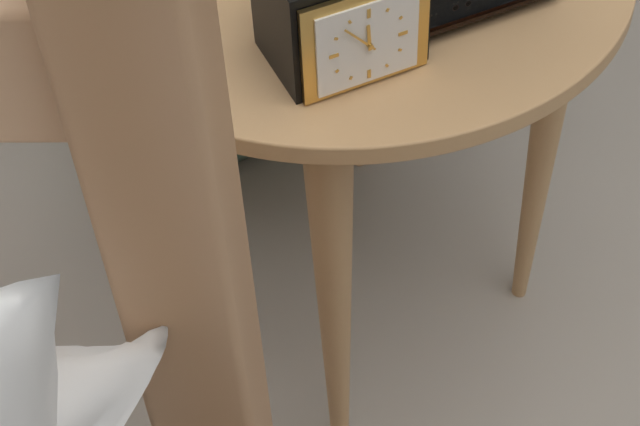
11,53
